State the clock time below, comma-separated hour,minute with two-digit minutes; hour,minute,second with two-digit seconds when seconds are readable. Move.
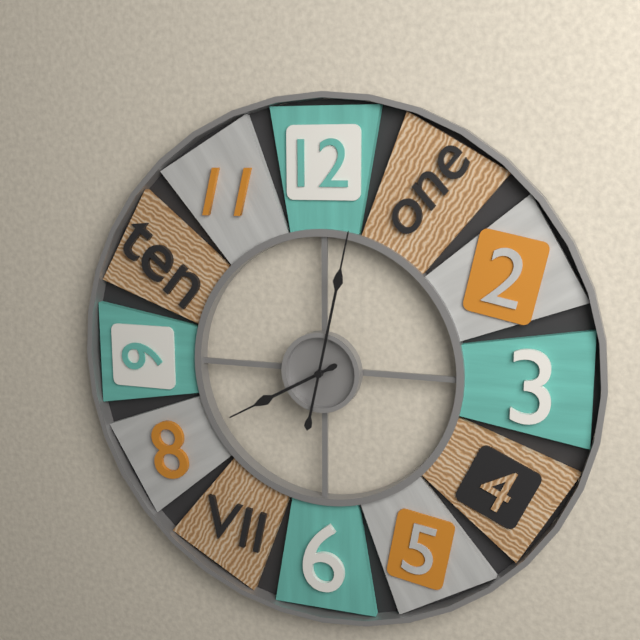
8,02
